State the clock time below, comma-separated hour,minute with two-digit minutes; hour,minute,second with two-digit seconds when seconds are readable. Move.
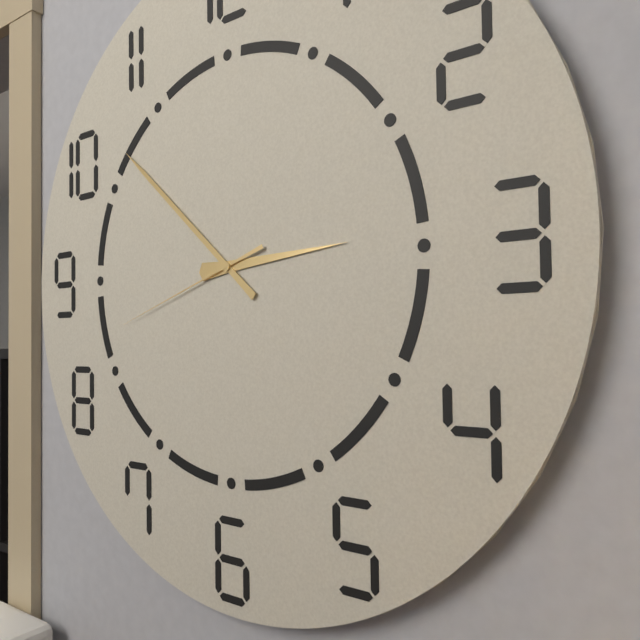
2,52,42
